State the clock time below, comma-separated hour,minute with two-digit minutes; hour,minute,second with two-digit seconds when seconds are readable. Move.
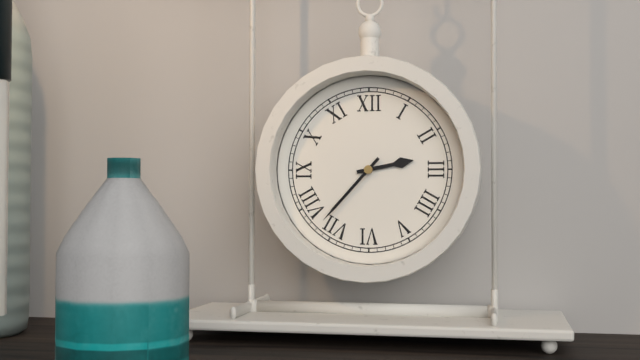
2,37
